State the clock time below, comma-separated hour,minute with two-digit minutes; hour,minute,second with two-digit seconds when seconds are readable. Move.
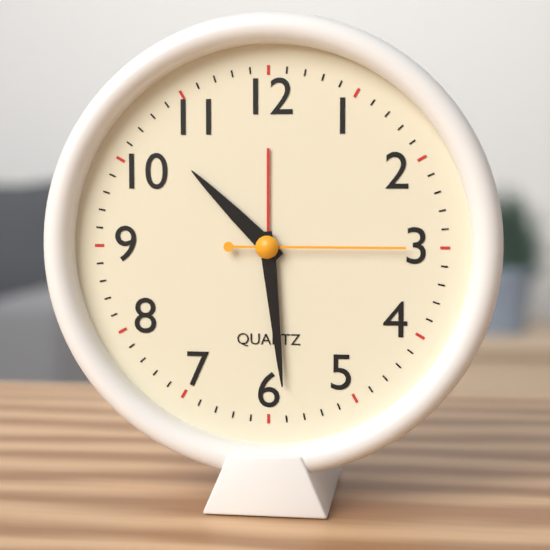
10,29,15
